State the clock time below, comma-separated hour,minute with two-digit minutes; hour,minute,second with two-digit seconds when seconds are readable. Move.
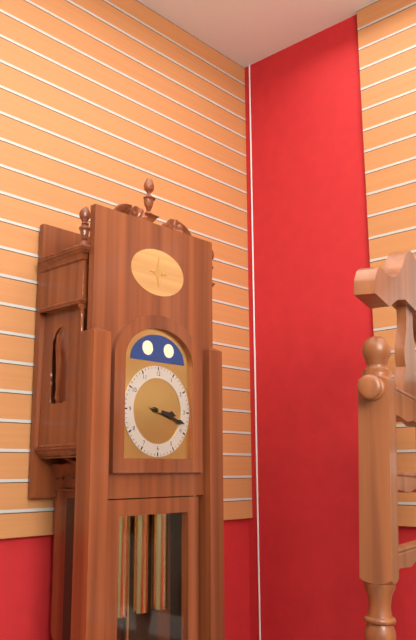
3,18
